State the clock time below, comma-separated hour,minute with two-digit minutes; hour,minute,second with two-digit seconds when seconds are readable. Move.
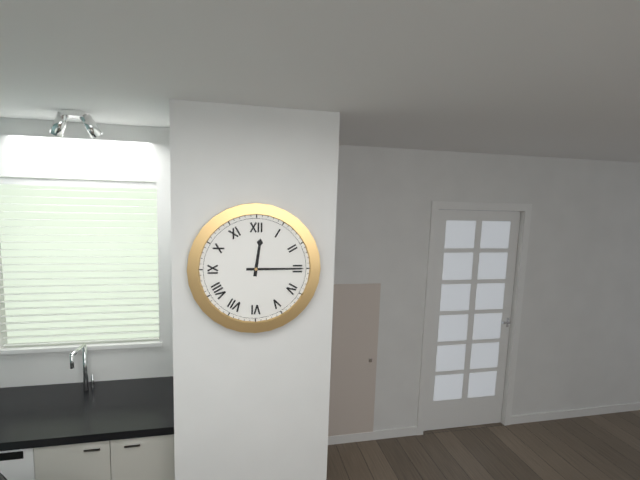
12,15
